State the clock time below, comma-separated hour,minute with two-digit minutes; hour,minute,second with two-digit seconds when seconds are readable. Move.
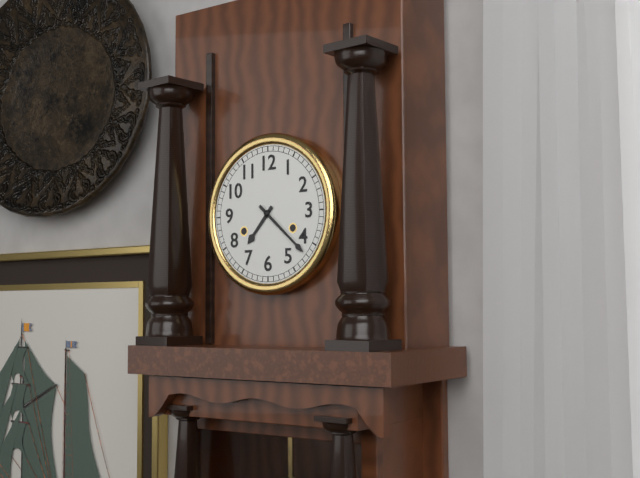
7,22
